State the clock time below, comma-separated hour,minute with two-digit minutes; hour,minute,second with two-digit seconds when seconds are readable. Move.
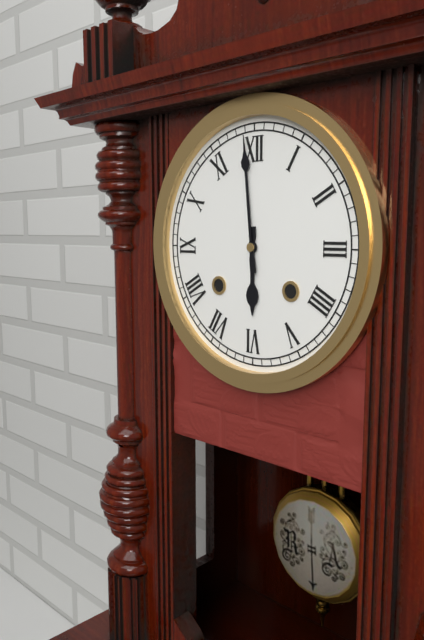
5,59
